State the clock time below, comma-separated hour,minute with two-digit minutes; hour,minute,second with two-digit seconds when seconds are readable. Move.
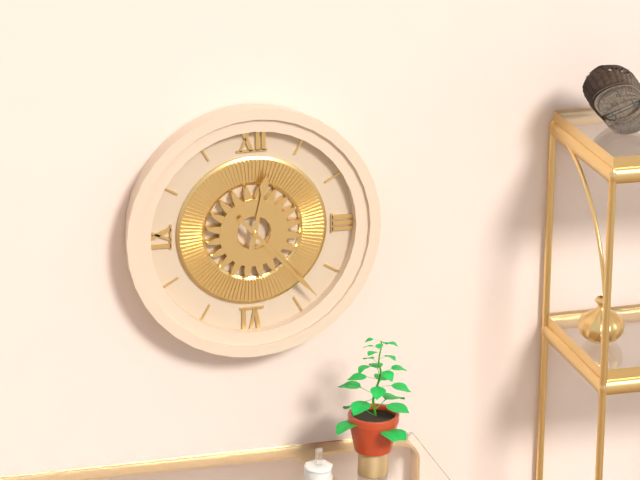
12,23
